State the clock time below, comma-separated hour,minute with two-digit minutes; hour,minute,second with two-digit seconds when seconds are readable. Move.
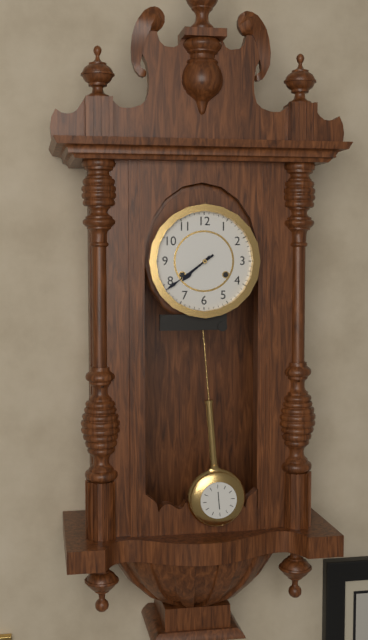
7,39
